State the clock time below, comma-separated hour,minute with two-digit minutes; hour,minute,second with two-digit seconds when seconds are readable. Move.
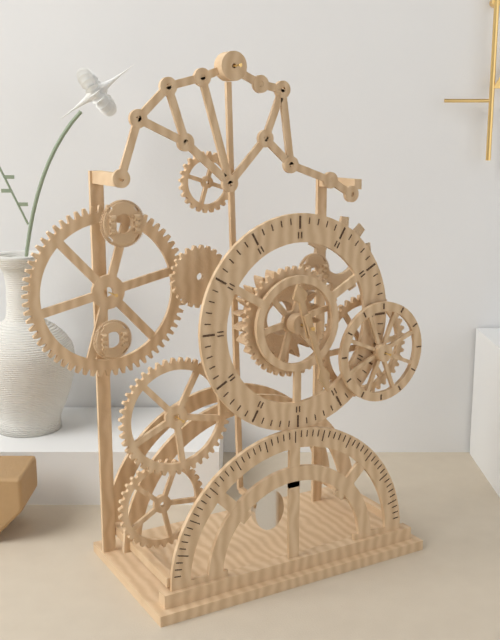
11,27
